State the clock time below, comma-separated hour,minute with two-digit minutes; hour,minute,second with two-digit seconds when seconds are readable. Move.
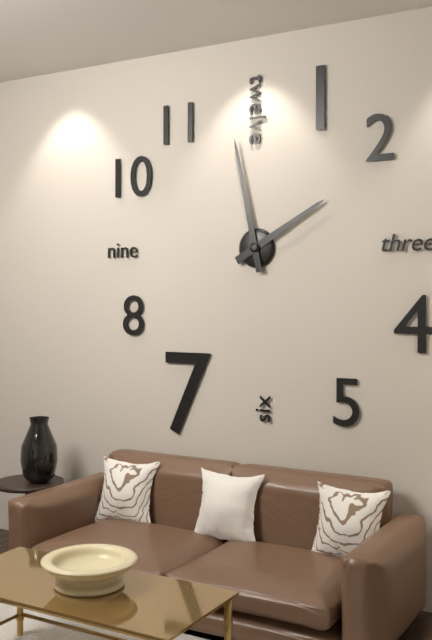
1,58
